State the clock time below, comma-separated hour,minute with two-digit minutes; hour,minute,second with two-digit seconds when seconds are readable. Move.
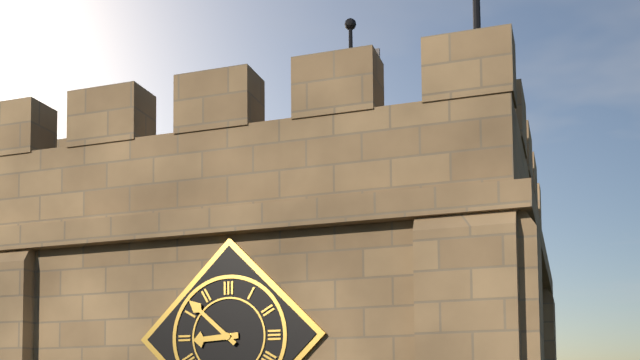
8,52
